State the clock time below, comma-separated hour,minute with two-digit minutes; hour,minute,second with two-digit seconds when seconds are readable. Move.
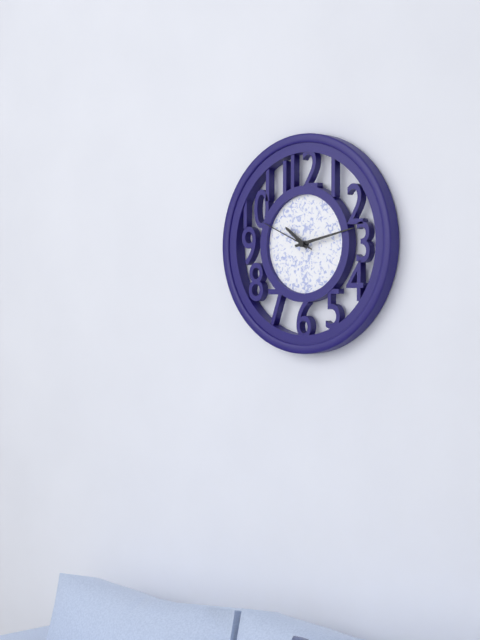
10,13,49
